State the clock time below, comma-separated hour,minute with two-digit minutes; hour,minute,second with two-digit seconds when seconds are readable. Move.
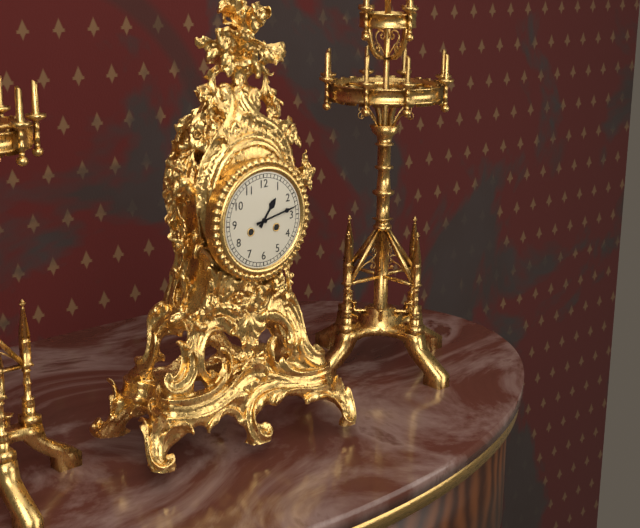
1,13
